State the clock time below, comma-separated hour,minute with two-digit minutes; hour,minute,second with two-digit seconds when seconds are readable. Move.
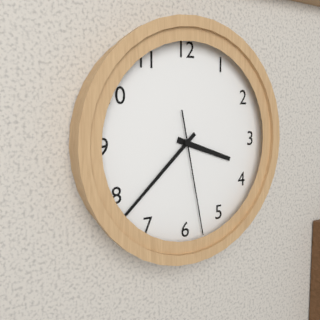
3,38,28
